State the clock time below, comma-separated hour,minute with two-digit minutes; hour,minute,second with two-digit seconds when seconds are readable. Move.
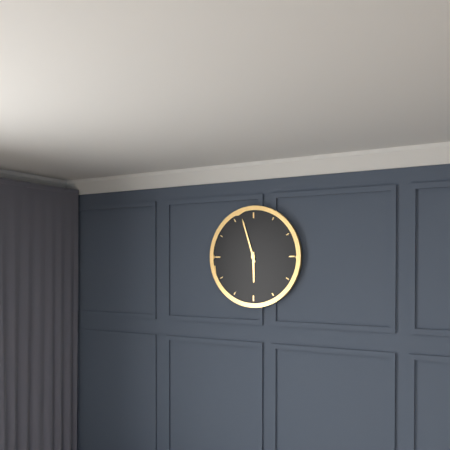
5,57
